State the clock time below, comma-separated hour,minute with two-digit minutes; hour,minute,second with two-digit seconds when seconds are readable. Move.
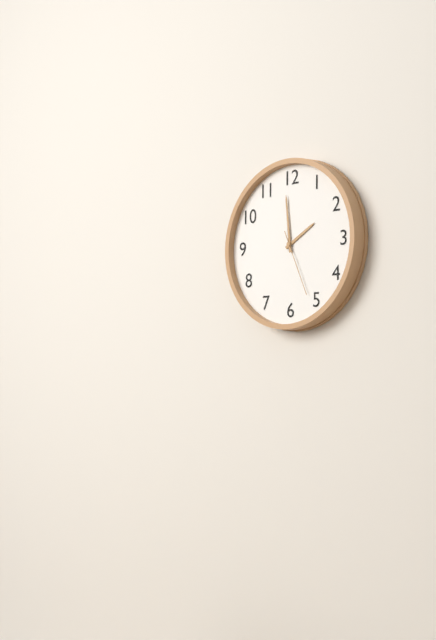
1,59,26
